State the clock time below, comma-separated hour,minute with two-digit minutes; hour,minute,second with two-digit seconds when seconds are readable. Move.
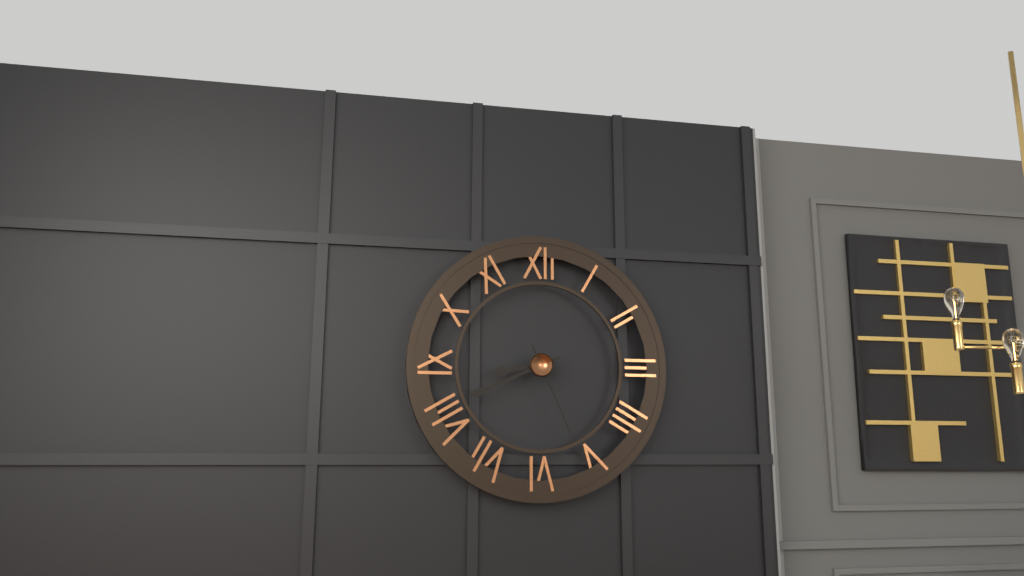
8,41,26
